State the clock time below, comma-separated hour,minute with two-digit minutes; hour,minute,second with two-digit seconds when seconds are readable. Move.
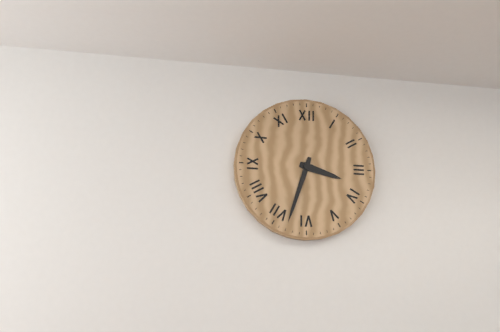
3,33
